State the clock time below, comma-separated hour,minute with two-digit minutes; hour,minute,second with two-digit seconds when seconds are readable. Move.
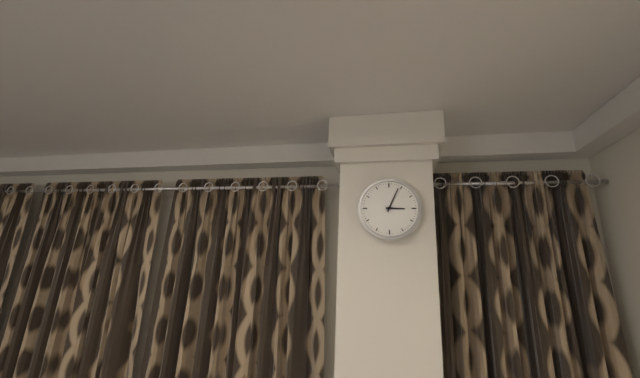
3,04
